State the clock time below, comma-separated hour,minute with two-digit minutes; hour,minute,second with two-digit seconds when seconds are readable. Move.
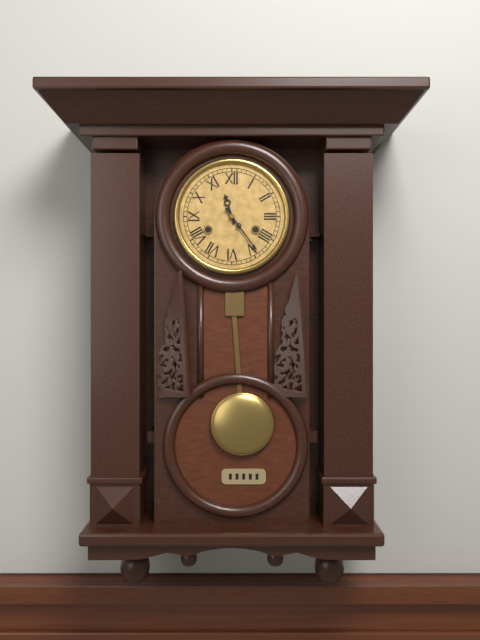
11,24
